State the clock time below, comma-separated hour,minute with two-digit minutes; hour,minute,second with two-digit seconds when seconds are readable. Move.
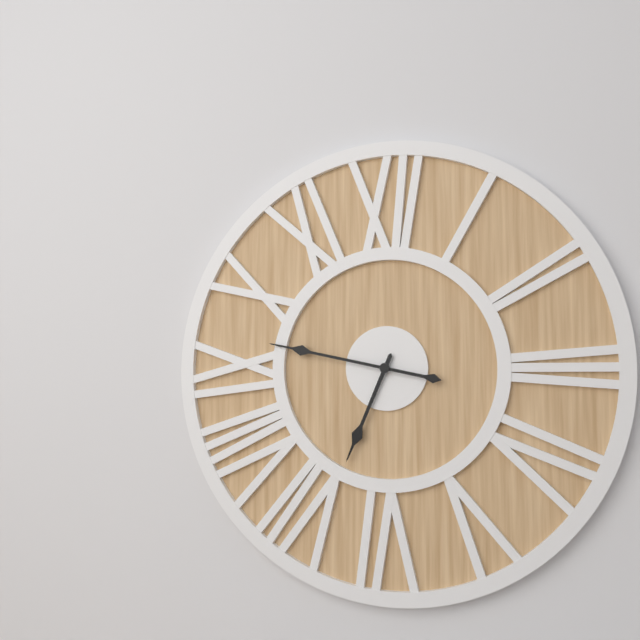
6,47
